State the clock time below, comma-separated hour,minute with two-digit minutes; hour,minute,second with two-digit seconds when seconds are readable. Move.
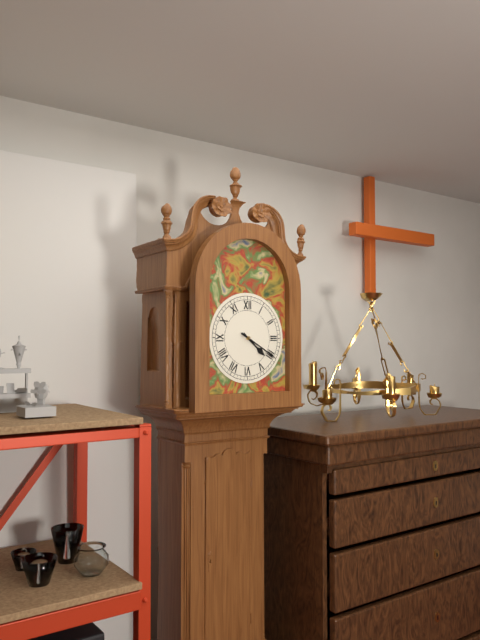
4,20
